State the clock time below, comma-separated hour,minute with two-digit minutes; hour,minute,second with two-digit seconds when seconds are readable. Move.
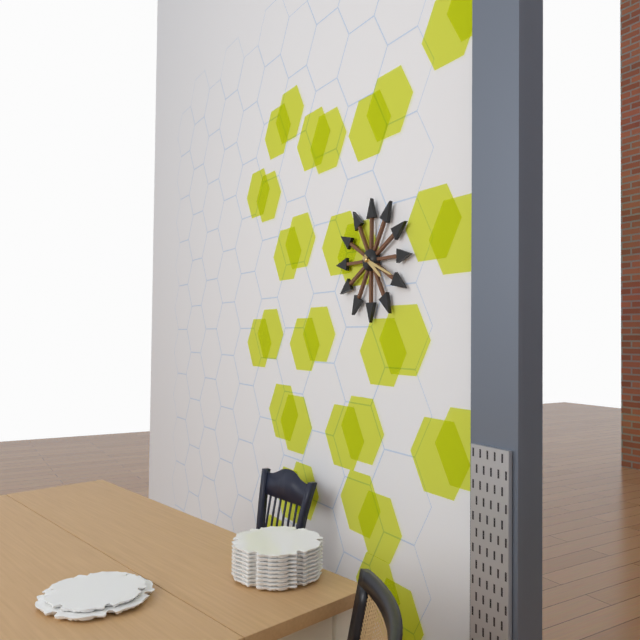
4,19
